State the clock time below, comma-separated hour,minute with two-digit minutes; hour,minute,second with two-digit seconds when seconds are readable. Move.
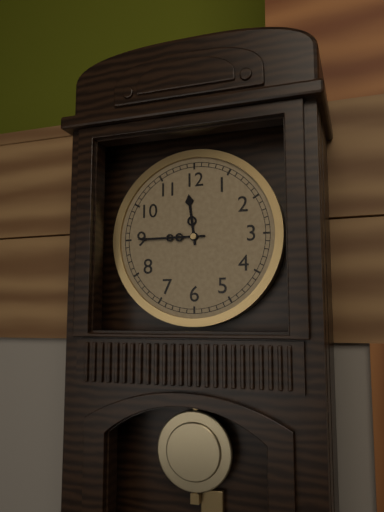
11,45
